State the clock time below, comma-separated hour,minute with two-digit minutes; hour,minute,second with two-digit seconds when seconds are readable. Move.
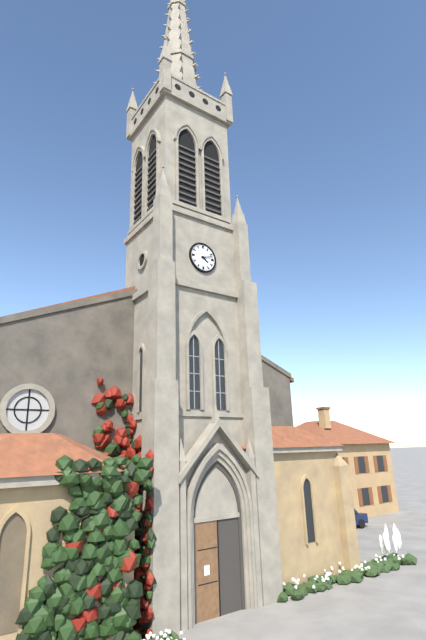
4,12
